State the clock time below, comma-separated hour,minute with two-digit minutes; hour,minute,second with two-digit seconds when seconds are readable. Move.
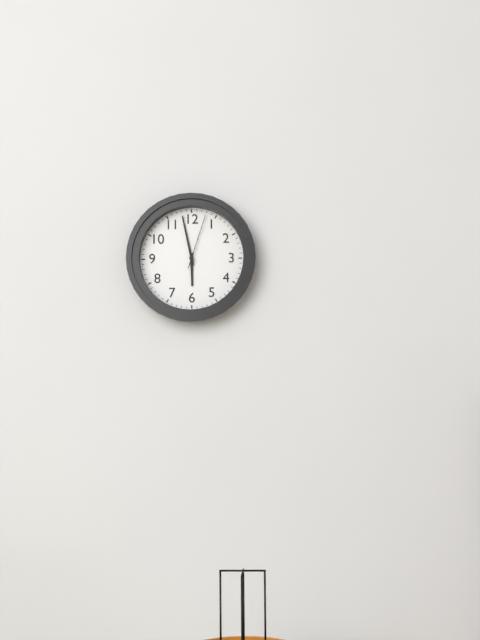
5,58,03
